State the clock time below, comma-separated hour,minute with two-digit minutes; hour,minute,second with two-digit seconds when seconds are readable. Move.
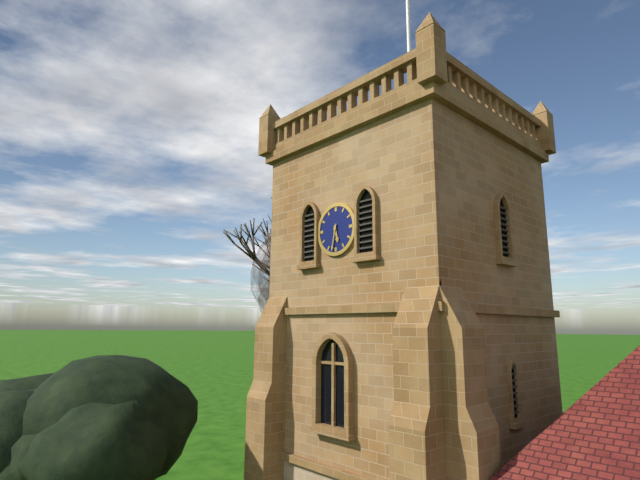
5,32
